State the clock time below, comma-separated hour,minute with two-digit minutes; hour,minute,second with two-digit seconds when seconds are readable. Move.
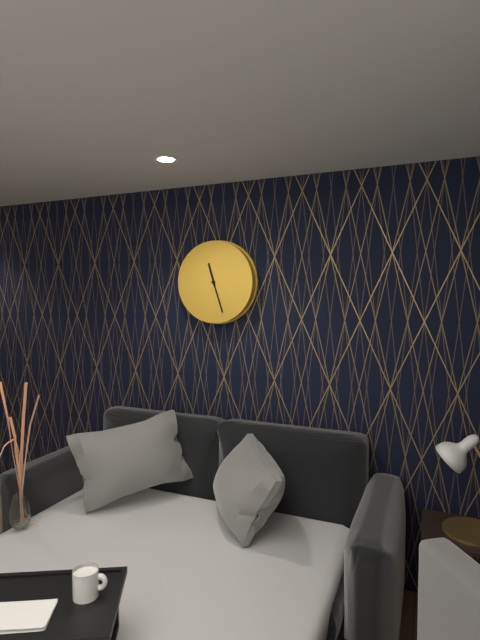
11,27
